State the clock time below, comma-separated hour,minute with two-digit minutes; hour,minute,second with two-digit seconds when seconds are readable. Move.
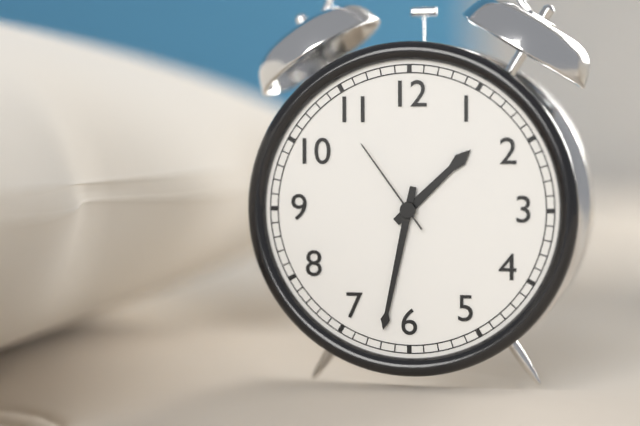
1,32,54
